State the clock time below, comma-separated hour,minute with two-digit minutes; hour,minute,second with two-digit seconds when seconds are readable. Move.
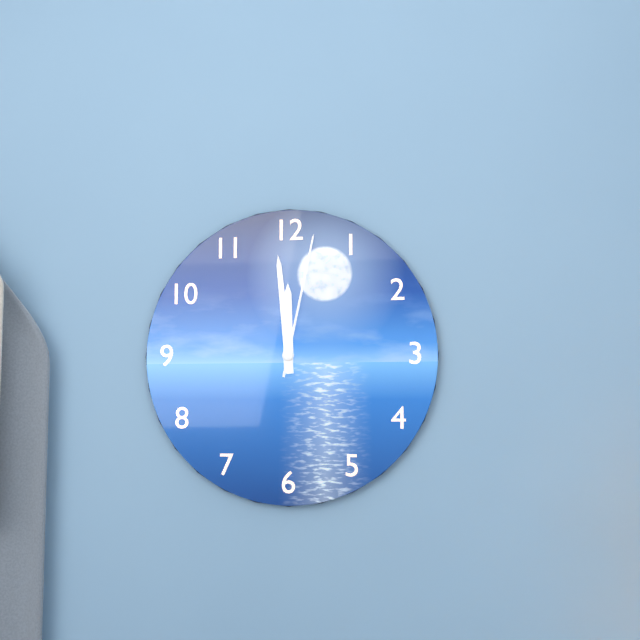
11,59,02
